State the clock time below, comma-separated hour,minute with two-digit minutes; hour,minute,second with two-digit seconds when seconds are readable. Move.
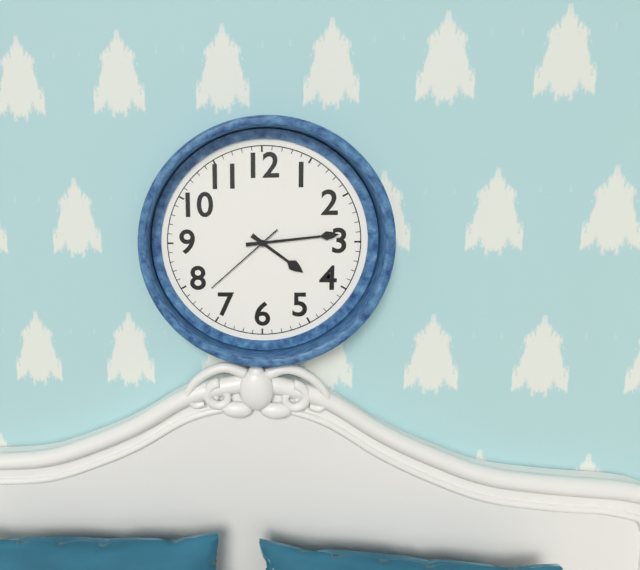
4,14,38
